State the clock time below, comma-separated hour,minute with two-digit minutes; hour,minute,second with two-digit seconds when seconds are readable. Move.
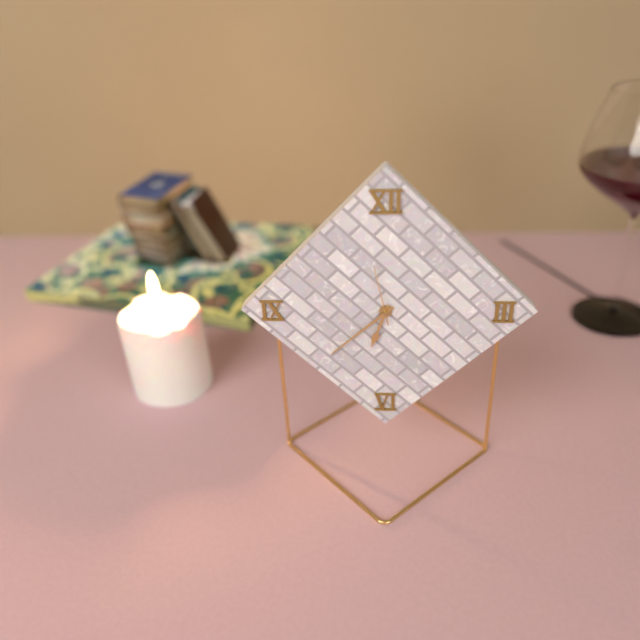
6,38,58
